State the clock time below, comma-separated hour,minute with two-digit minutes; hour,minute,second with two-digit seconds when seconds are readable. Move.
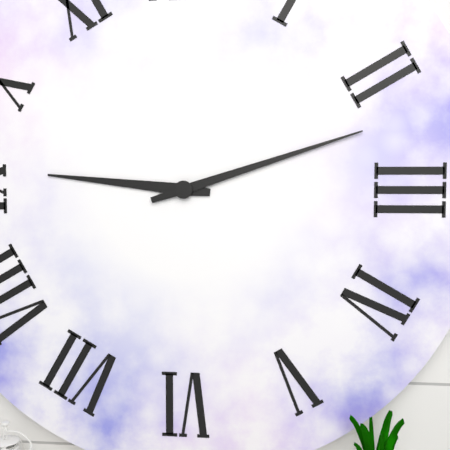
9,12
